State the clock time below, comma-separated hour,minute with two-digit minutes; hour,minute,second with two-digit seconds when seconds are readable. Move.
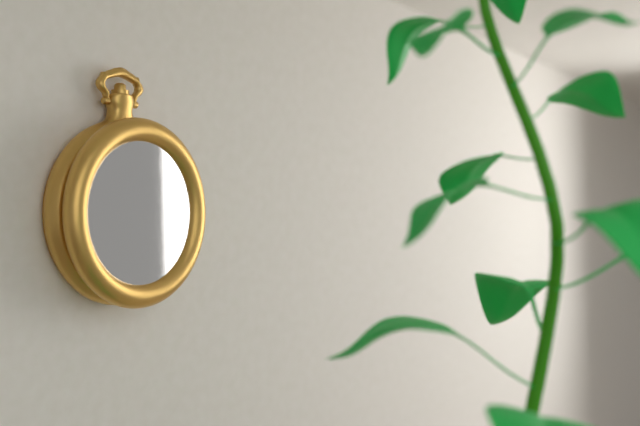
11,19
